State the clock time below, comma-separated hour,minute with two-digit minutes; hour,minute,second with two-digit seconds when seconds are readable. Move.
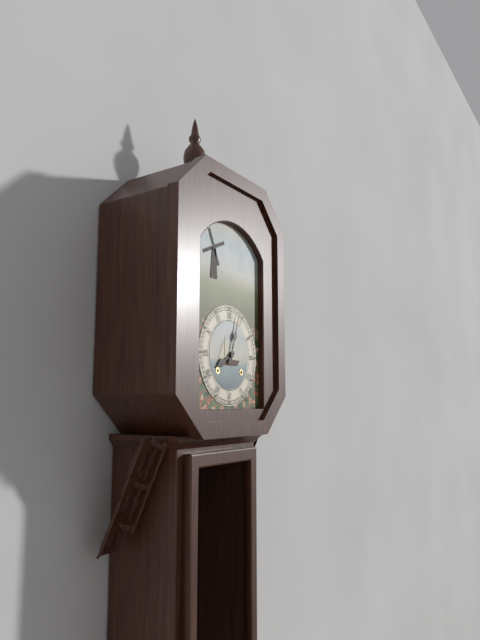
8,03
